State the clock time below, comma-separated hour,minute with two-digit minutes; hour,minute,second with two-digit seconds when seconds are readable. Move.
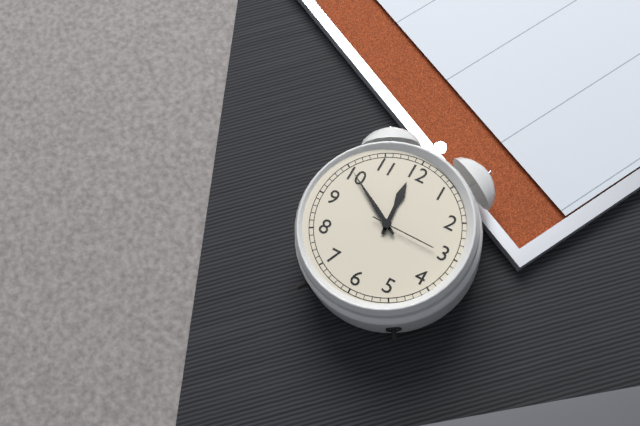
11,50,15
